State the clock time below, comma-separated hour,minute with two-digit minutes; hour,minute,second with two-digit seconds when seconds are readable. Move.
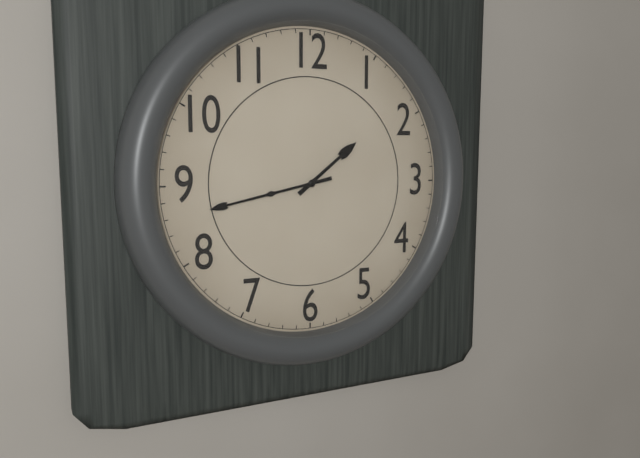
1,43
